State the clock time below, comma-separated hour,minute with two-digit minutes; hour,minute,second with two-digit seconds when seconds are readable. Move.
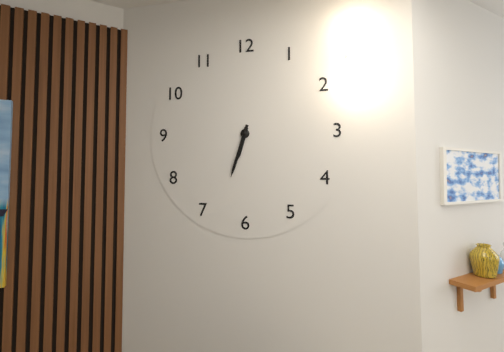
6,33
